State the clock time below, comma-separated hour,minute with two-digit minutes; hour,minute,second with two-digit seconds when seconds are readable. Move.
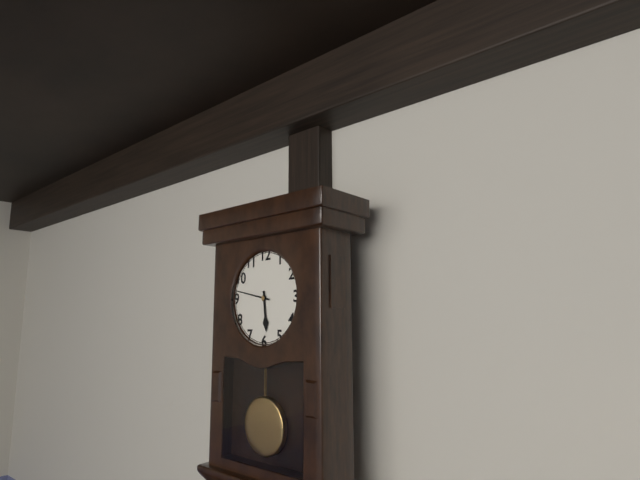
5,47
